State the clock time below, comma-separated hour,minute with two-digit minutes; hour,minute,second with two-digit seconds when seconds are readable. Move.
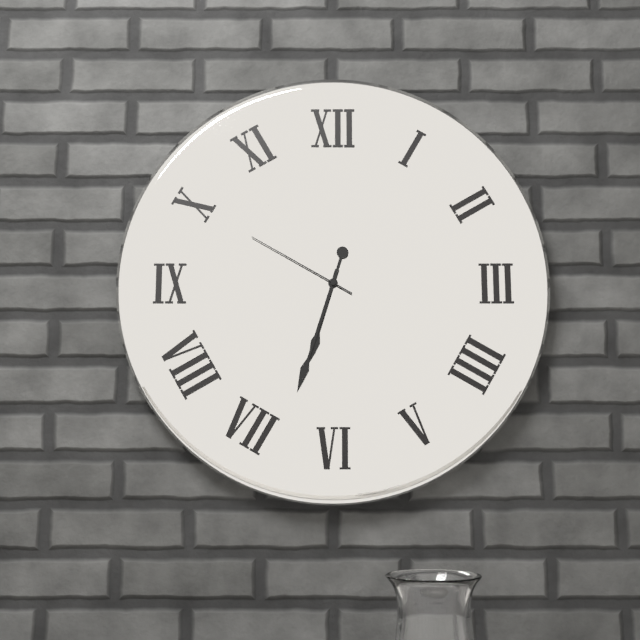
6,33,50
